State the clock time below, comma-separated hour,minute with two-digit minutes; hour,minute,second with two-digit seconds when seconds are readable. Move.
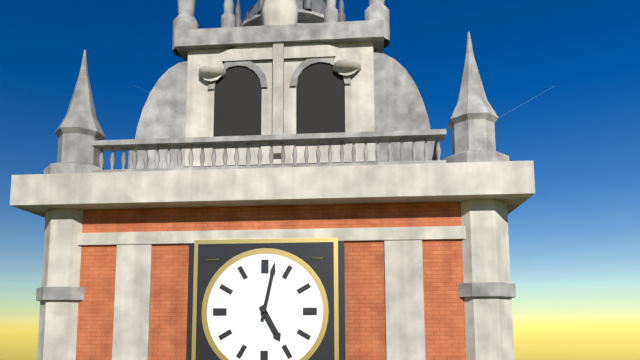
5,02
